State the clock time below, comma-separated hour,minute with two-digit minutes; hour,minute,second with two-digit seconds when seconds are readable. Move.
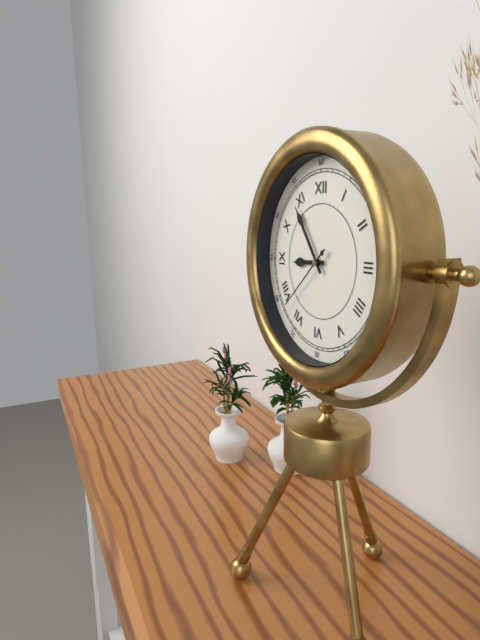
8,54,38
